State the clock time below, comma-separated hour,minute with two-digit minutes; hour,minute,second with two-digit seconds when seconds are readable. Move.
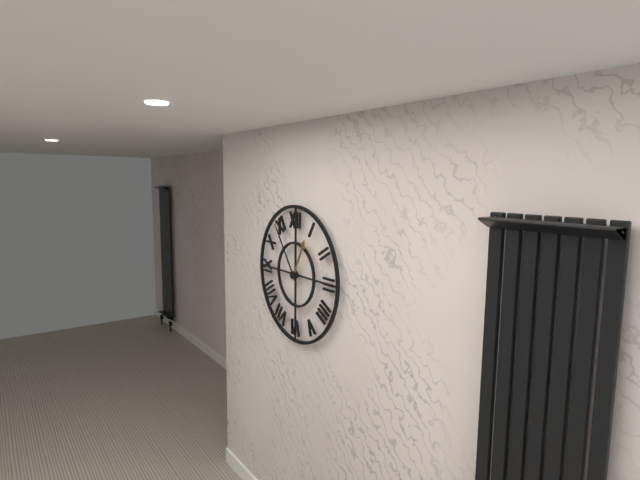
12,54
